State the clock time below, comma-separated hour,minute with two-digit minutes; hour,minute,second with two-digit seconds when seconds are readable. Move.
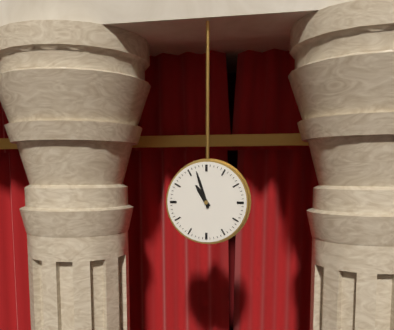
10,57
